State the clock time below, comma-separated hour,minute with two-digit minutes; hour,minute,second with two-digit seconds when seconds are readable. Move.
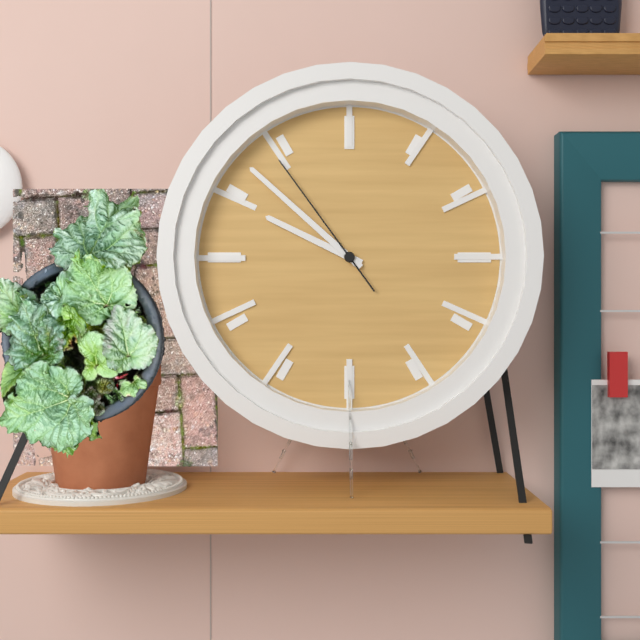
9,52,54
